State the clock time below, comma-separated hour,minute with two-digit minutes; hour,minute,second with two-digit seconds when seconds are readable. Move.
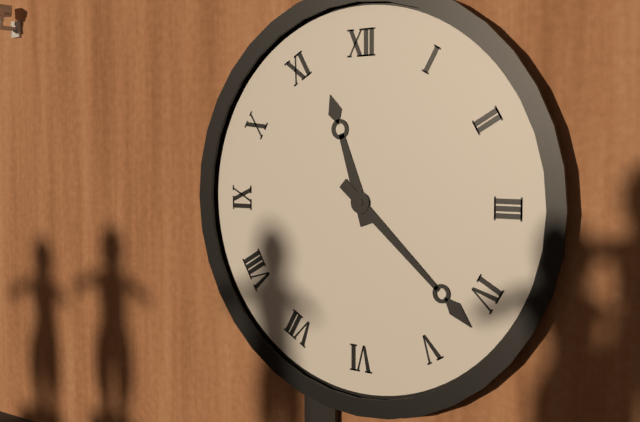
11,22
